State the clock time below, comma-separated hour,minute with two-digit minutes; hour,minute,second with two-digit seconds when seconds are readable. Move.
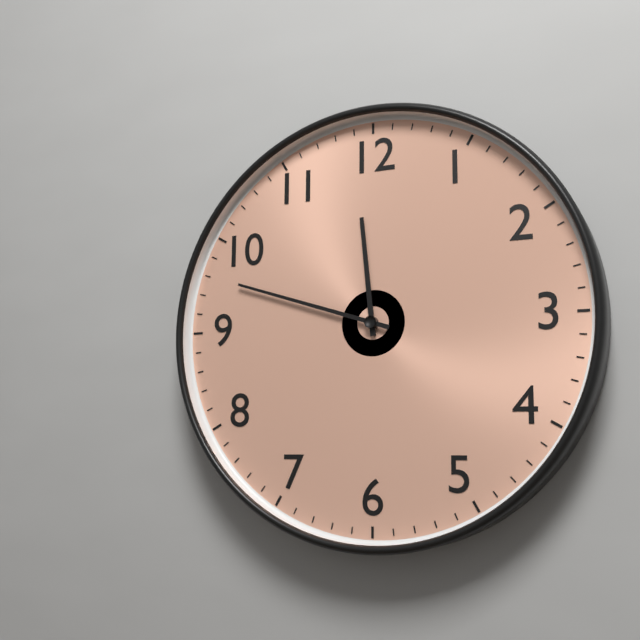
11,48
